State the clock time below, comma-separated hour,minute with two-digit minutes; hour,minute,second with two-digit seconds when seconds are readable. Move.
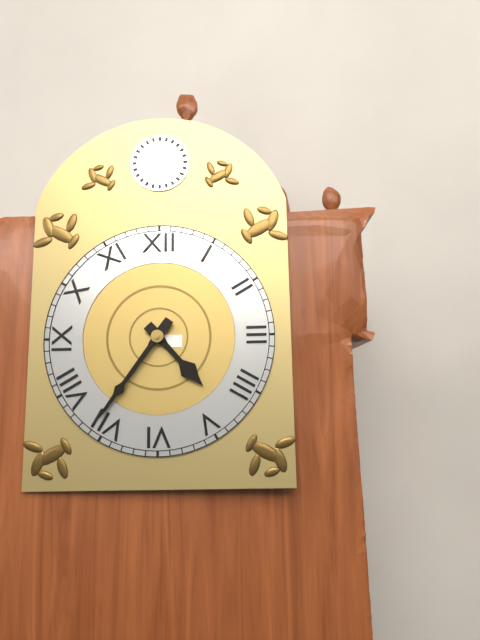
4,36
